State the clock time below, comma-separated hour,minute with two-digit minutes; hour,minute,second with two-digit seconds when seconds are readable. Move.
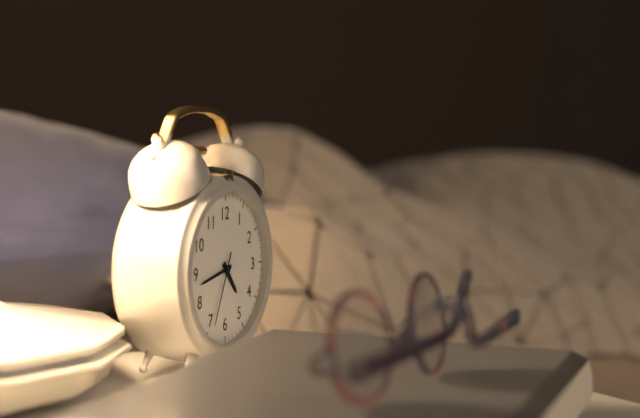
4,43,34
